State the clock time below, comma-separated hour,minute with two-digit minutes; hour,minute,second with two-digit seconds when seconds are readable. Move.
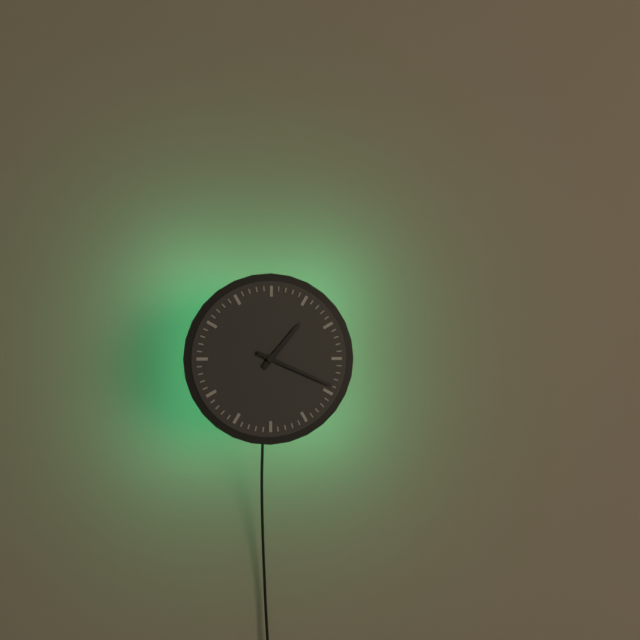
1,19
